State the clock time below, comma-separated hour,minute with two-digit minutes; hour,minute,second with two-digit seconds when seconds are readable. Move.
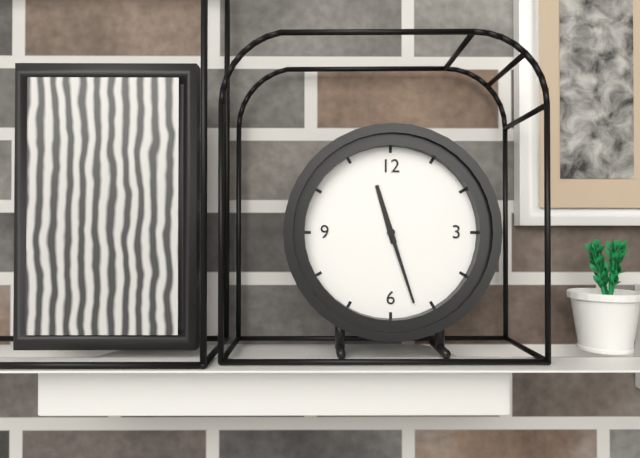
11,27
